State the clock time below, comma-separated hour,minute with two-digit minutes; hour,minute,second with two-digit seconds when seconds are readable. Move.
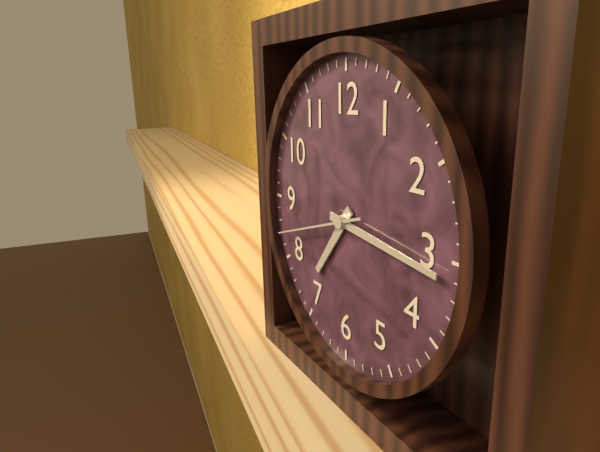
7,16,42
